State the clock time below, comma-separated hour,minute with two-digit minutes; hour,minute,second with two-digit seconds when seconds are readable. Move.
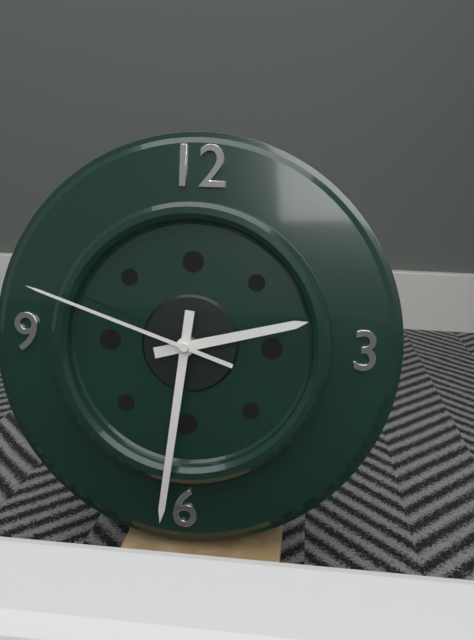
2,31,48
